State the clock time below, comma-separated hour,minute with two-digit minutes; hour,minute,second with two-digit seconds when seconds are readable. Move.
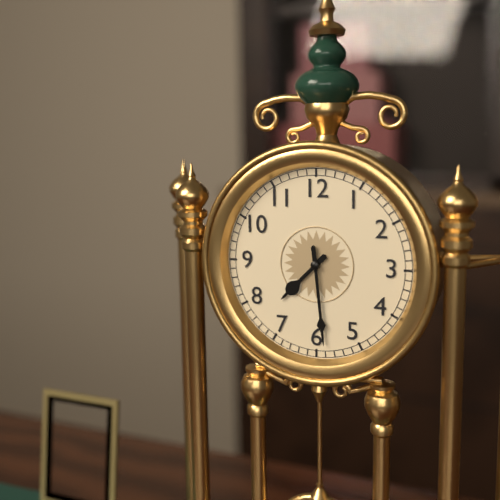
7,29
